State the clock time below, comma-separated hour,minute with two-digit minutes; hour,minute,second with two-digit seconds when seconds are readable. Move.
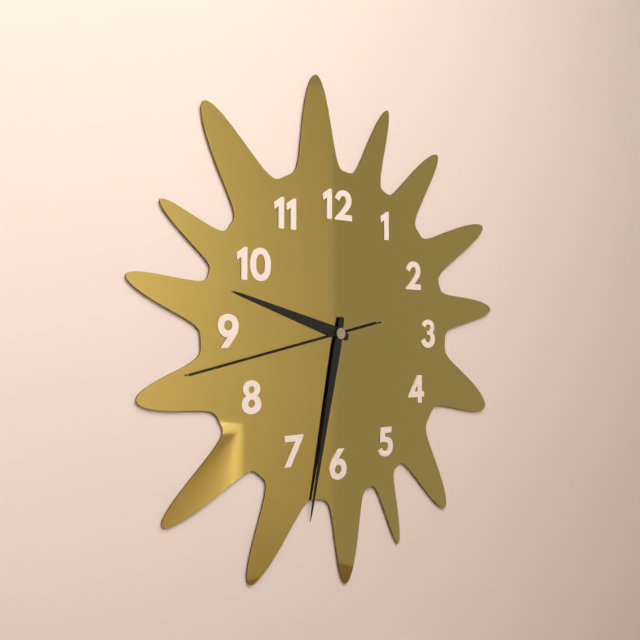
9,32,43
